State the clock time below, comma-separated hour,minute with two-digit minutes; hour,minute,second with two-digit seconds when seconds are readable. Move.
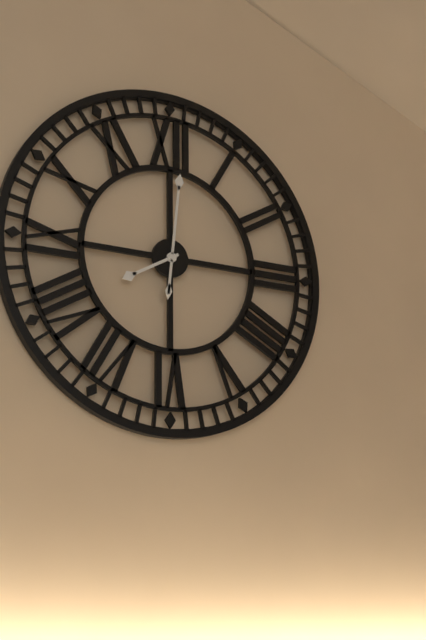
8,01
